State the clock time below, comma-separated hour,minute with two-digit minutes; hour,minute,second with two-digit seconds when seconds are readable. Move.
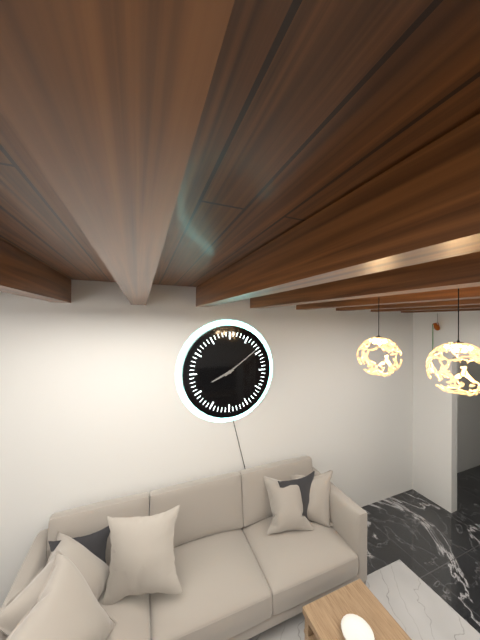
8,09
